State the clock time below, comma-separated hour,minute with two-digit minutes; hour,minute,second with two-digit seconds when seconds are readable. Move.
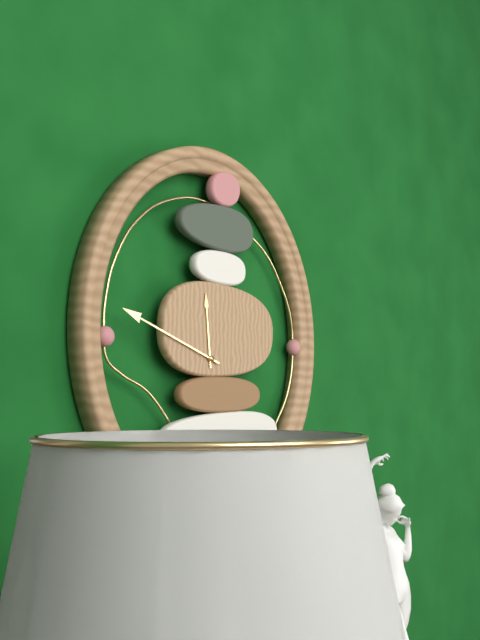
11,48
